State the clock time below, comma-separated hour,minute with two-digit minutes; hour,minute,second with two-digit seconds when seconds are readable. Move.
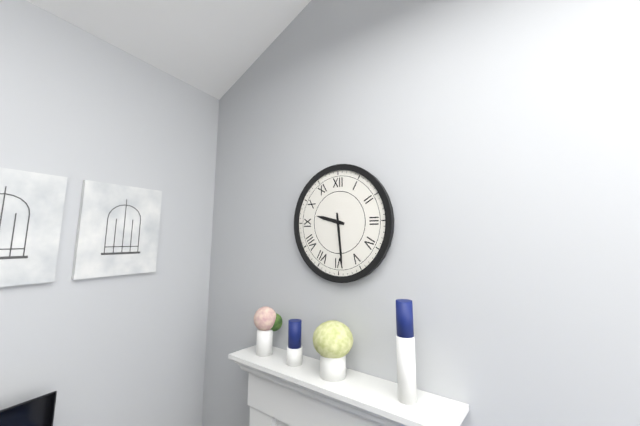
9,29
